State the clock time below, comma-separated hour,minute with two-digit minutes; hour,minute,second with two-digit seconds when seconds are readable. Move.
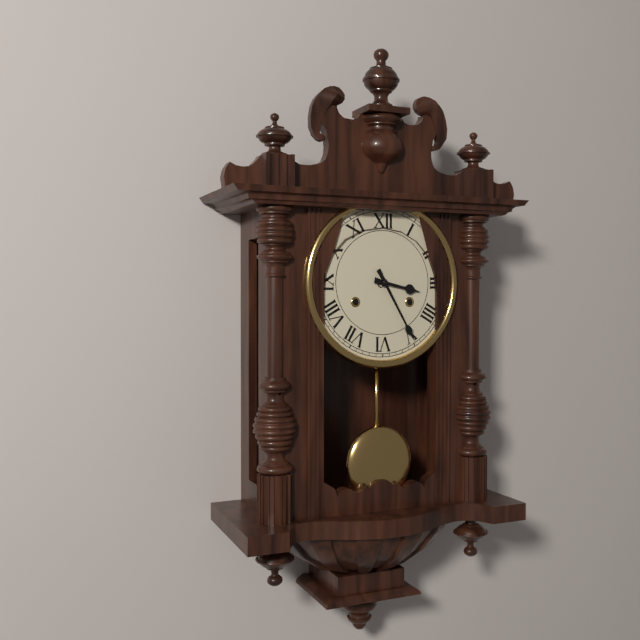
3,25
